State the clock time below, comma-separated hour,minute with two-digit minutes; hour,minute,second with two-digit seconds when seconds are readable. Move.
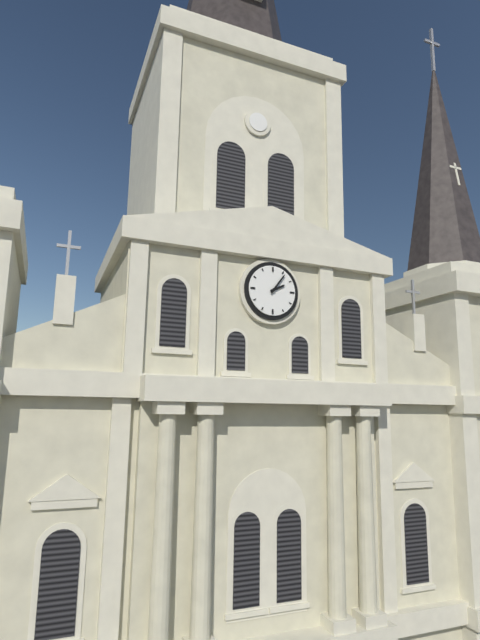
2,06
